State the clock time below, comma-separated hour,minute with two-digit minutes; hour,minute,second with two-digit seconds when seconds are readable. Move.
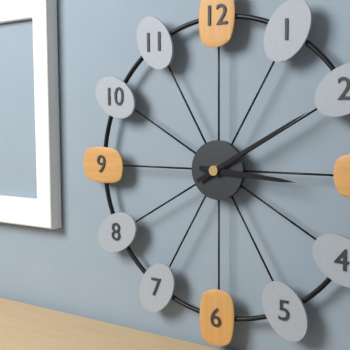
3,10
